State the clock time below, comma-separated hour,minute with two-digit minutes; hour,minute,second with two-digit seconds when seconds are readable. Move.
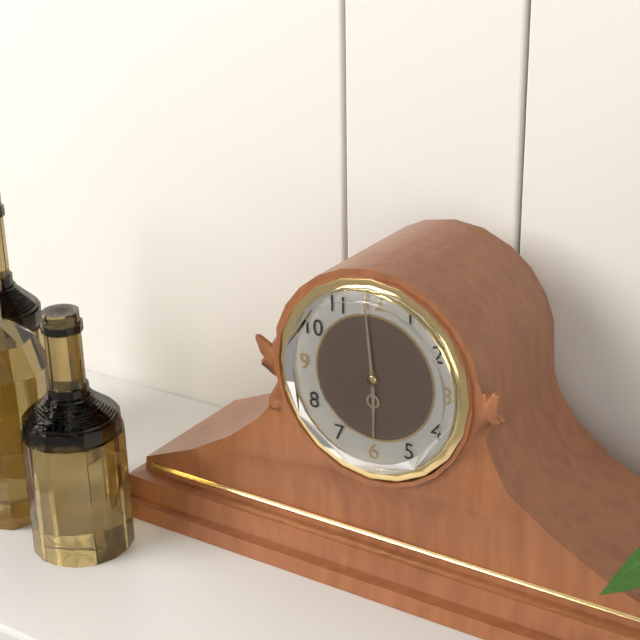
5,59
